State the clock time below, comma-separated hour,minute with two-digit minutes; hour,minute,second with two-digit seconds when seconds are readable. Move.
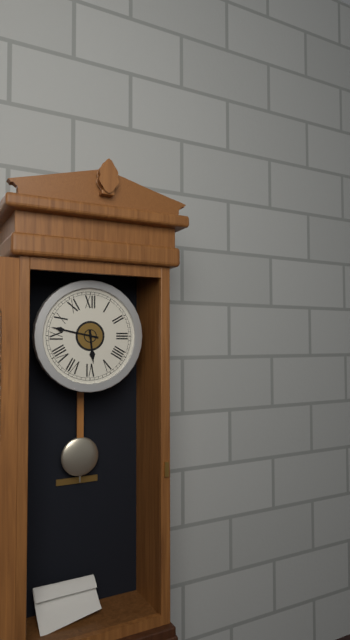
5,47
